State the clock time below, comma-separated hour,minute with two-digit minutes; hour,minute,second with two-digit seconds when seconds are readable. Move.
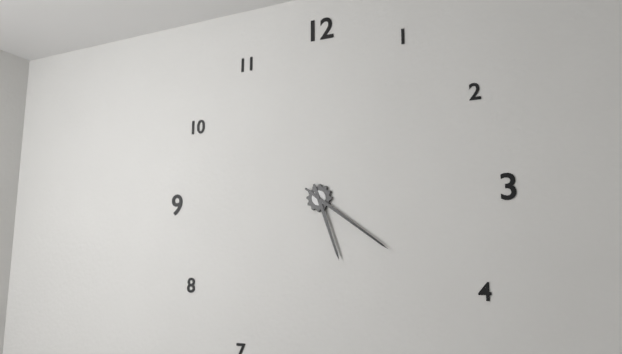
5,21
